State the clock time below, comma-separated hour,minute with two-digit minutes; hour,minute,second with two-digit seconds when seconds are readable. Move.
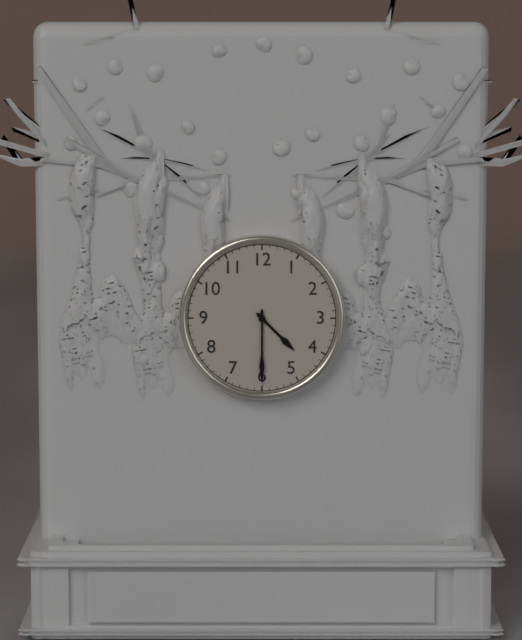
4,30
